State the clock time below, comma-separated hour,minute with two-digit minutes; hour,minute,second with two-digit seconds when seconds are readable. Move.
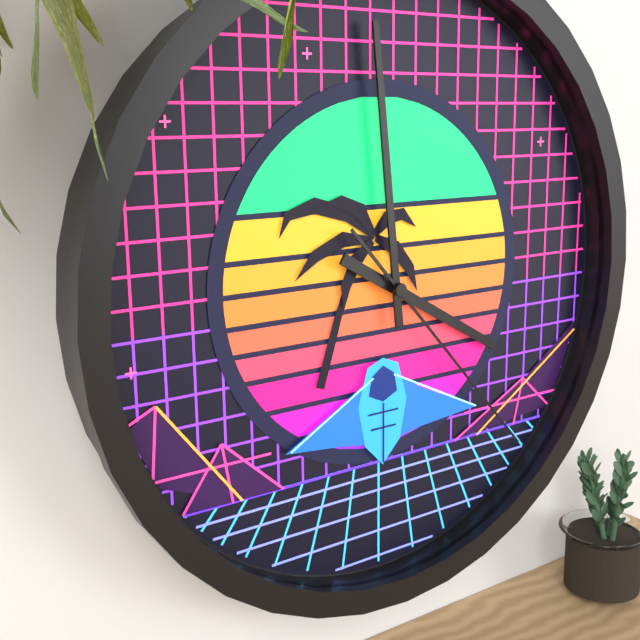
3,59,23
